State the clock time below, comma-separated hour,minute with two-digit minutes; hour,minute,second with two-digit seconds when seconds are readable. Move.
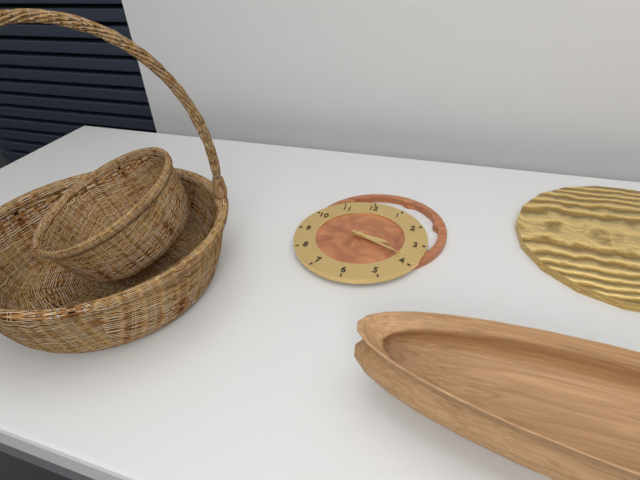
3,19
